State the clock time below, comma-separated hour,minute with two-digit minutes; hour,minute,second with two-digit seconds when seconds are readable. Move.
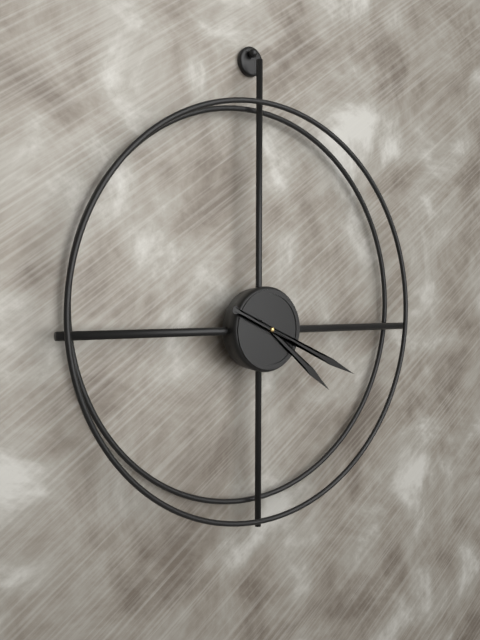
4,19
